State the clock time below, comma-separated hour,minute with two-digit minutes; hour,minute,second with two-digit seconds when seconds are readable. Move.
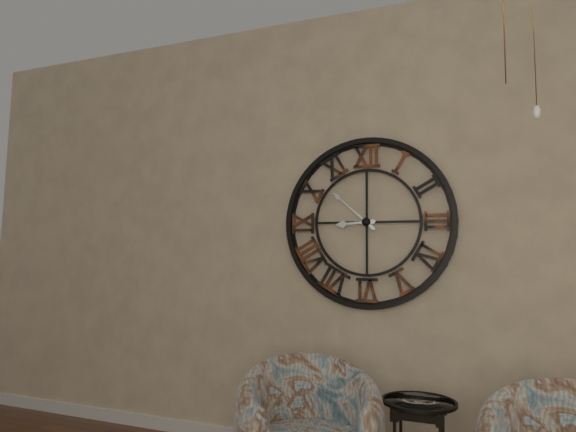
8,52
